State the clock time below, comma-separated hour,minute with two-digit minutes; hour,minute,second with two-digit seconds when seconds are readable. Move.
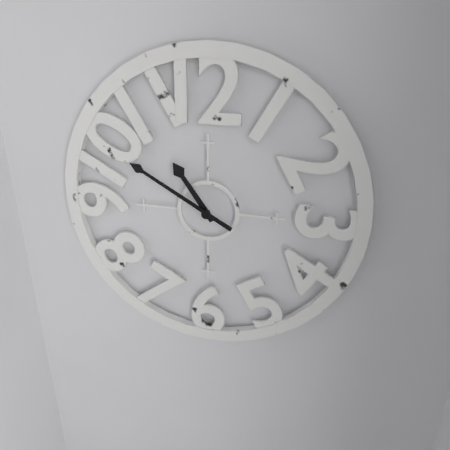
10,50
